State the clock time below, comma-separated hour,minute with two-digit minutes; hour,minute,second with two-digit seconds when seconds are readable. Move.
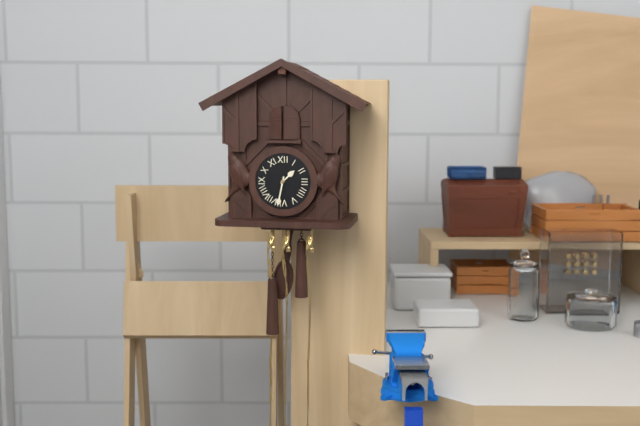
1,32
